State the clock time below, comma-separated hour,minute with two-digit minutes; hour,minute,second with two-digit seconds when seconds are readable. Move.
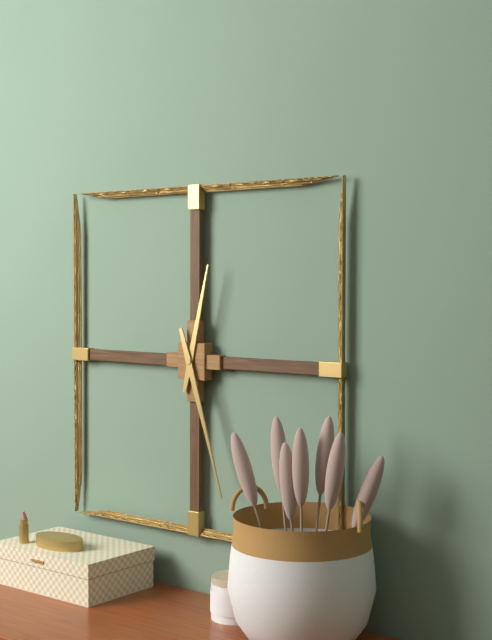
12,27
